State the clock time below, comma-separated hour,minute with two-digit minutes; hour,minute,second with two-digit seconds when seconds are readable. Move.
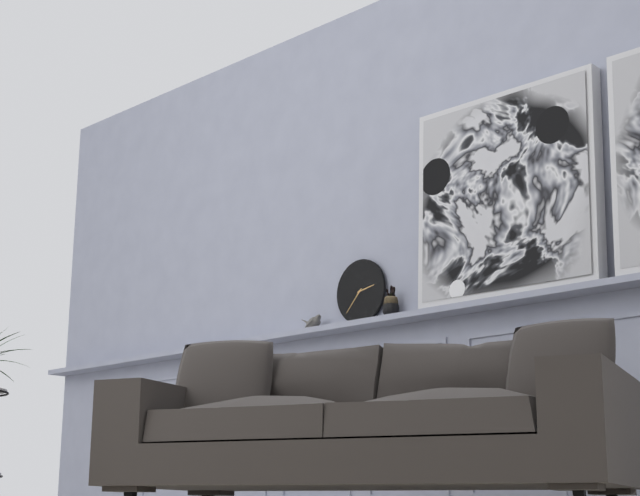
2,37
